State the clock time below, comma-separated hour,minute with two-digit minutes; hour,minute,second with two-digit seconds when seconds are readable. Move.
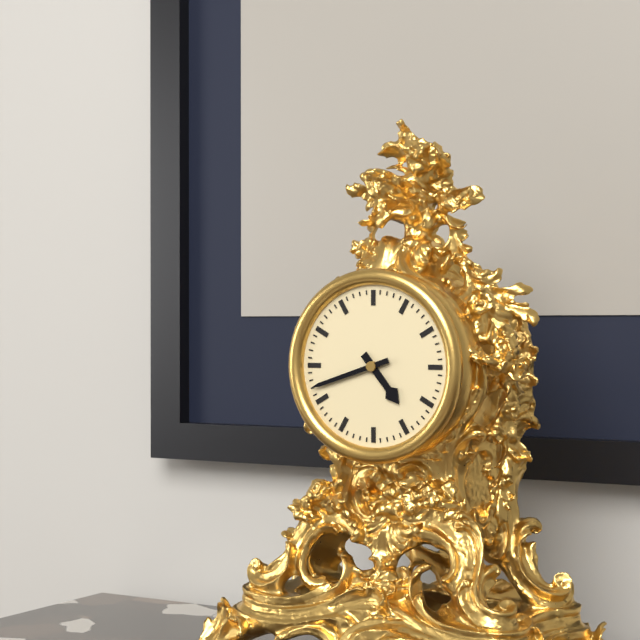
4,42
